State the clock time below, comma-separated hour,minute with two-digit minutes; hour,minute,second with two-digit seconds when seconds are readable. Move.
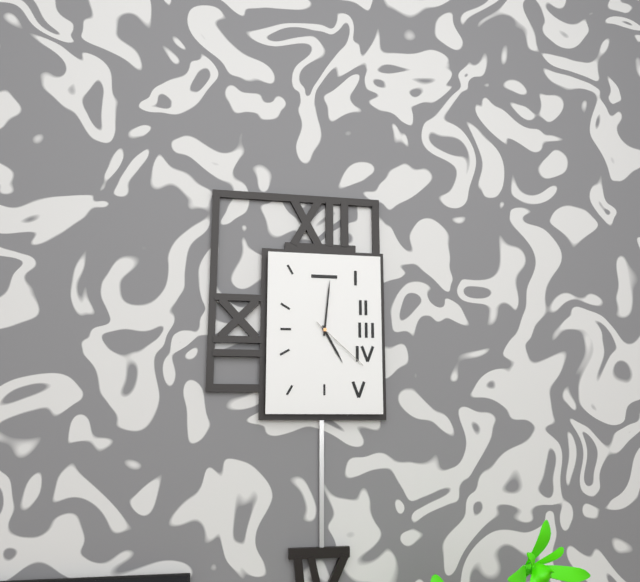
5,01,22
